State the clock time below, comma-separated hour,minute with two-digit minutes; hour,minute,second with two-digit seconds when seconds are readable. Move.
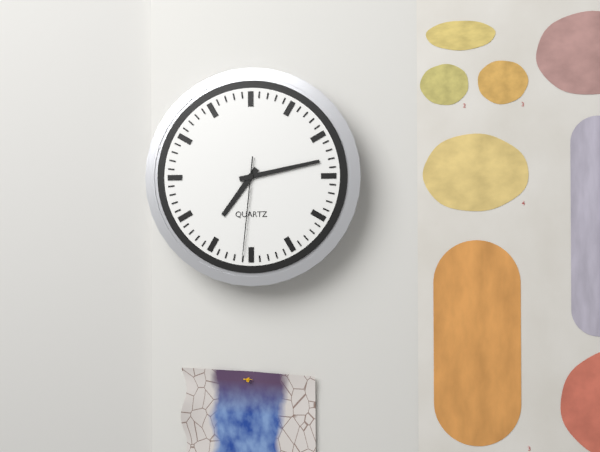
7,13,31
